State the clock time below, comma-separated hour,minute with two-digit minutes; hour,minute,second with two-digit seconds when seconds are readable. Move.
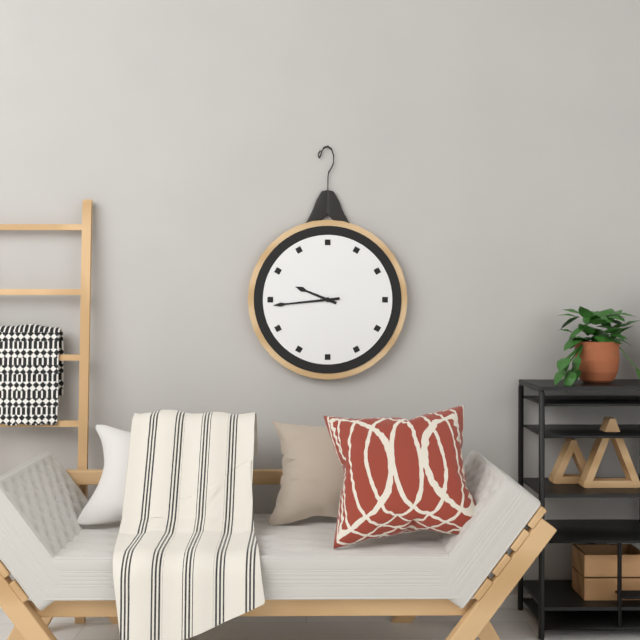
9,44
